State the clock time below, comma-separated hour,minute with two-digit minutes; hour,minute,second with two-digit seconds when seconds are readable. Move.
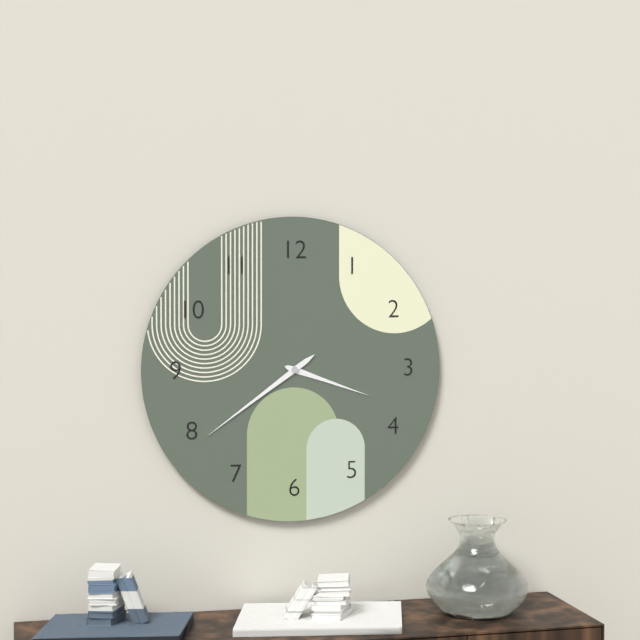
3,39
